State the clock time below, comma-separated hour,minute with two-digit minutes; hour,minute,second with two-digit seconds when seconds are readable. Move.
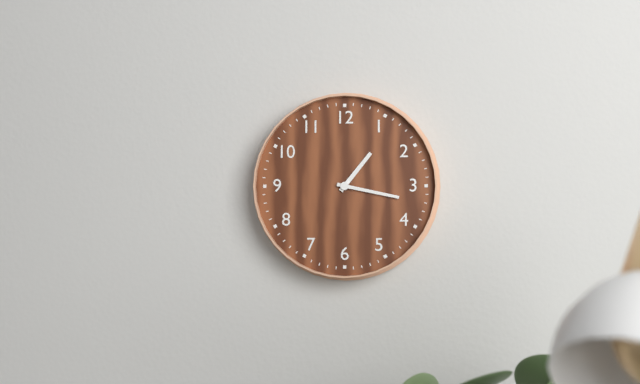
1,17
